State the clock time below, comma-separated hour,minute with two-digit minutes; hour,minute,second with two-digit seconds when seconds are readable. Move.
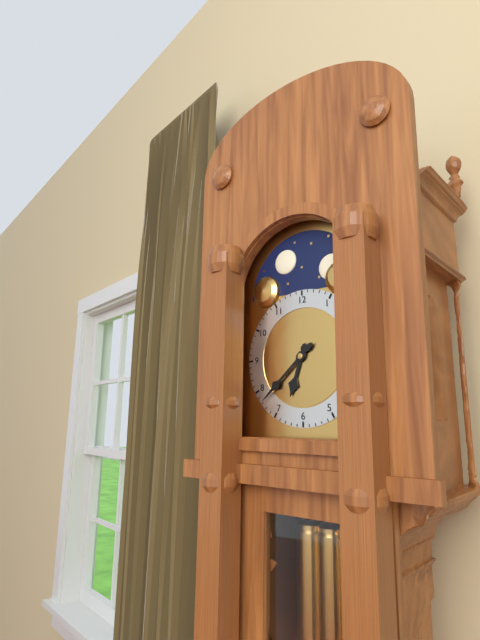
6,38
